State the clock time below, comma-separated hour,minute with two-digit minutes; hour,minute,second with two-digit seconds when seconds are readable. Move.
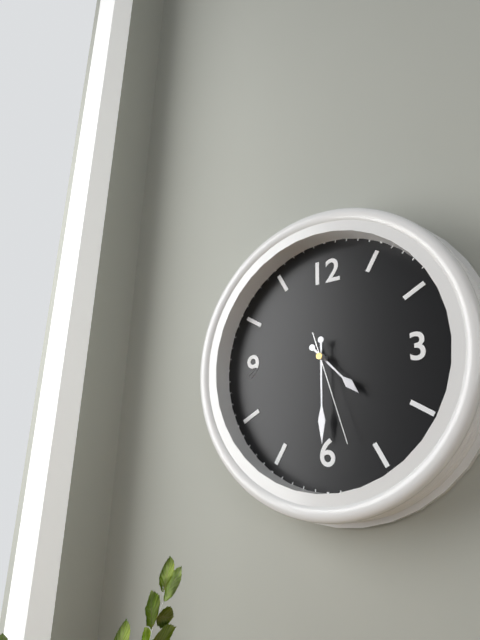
4,30,27
